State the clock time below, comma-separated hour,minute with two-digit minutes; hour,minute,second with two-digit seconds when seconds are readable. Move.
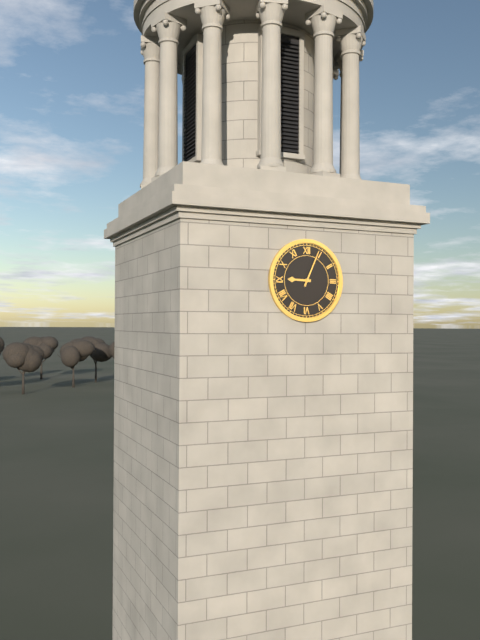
9,04
